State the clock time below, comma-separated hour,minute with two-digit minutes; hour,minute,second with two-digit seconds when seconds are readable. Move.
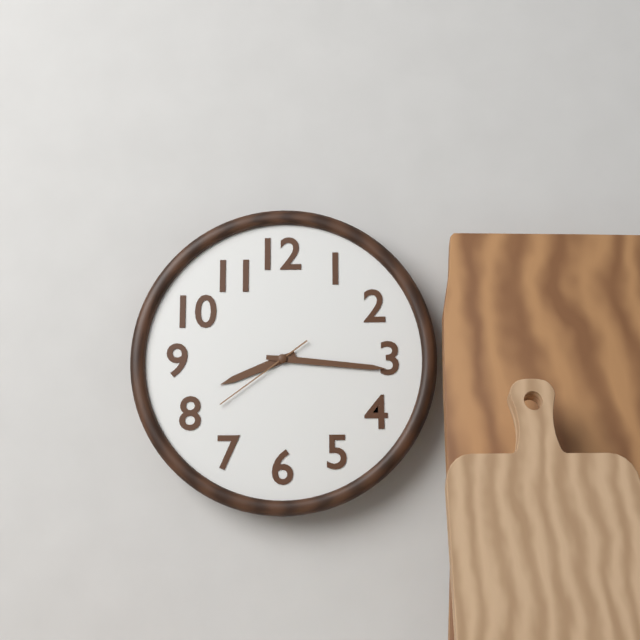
8,16,39
